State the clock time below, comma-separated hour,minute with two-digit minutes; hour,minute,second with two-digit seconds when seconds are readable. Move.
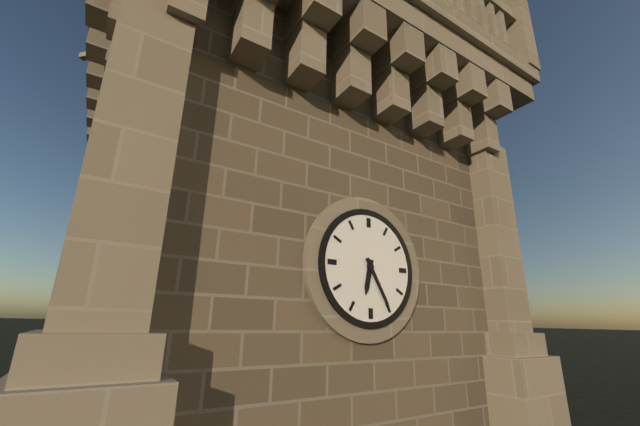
6,25
